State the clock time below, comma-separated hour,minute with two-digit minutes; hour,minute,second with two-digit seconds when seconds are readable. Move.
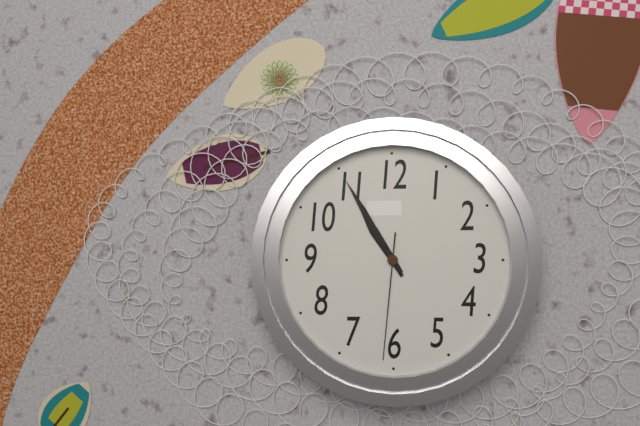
10,55,31
